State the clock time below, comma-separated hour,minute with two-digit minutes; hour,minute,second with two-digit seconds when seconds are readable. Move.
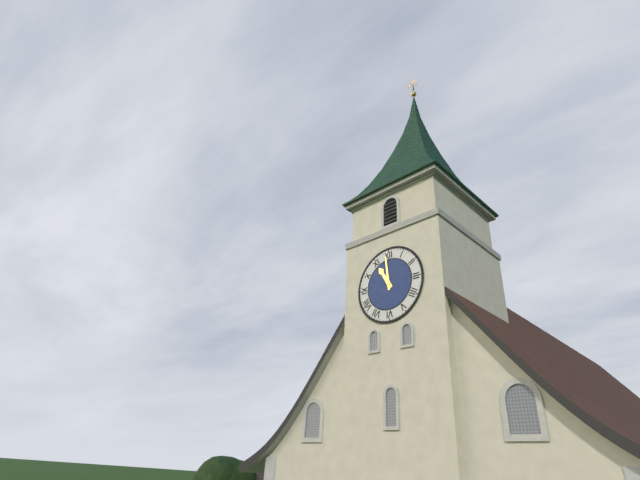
10,59
